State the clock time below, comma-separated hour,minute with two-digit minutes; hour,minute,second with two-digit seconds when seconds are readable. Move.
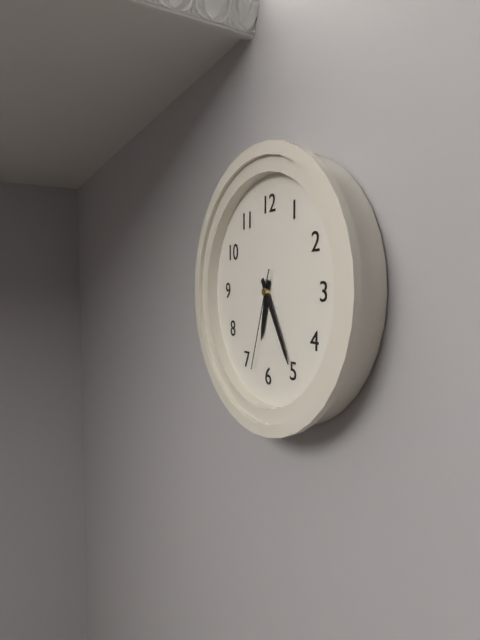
6,25,33
